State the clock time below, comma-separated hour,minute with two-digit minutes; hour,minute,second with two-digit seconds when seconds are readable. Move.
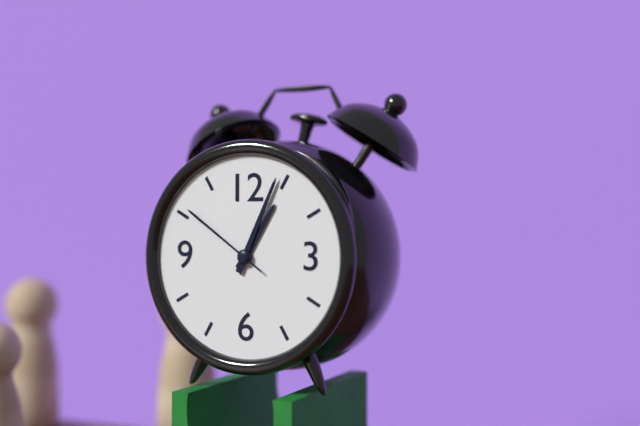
1,04,51
